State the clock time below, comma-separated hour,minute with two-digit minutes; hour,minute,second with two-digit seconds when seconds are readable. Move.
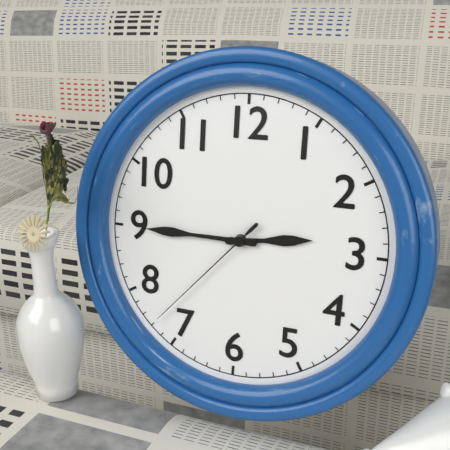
2,45,37
